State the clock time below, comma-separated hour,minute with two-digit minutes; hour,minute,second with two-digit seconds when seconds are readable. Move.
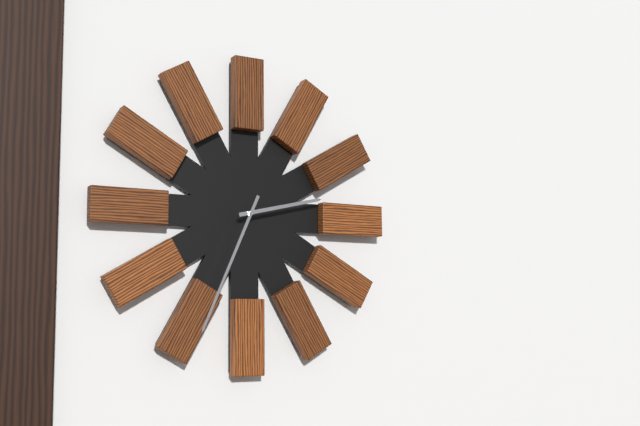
2,34
